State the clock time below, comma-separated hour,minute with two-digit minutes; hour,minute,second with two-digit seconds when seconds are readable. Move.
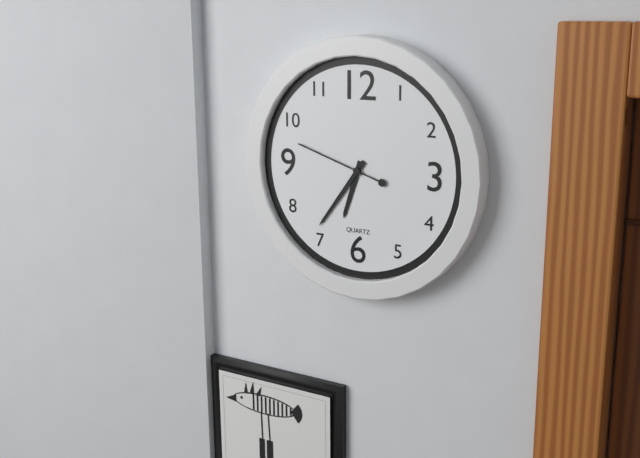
6,36,48
